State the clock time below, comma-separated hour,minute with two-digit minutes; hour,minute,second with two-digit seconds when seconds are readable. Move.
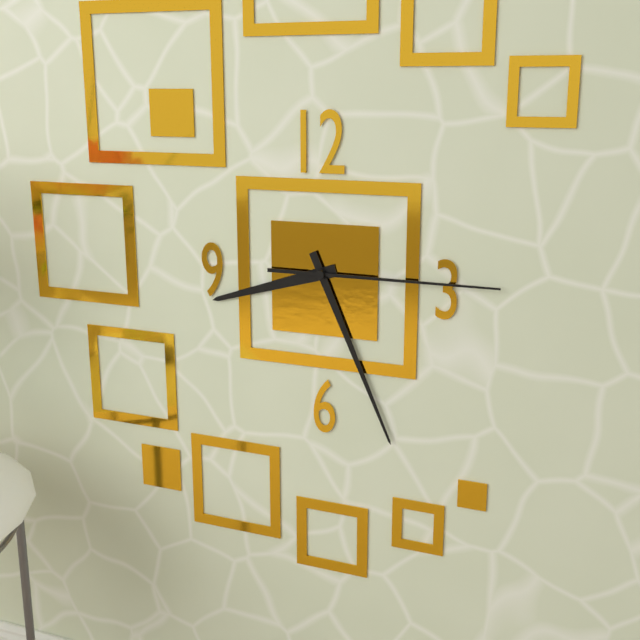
8,26,15
